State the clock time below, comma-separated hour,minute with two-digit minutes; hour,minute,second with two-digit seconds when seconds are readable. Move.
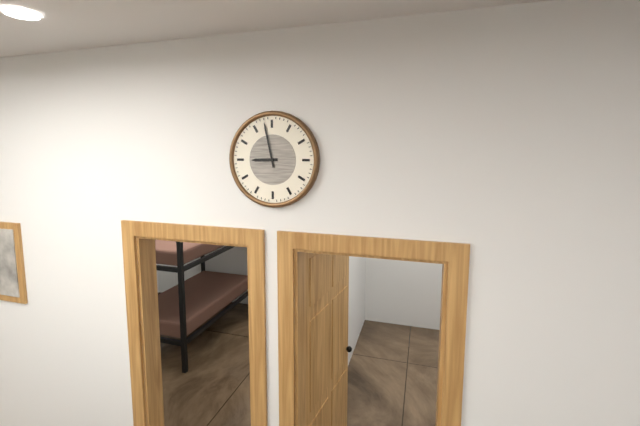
8,58
